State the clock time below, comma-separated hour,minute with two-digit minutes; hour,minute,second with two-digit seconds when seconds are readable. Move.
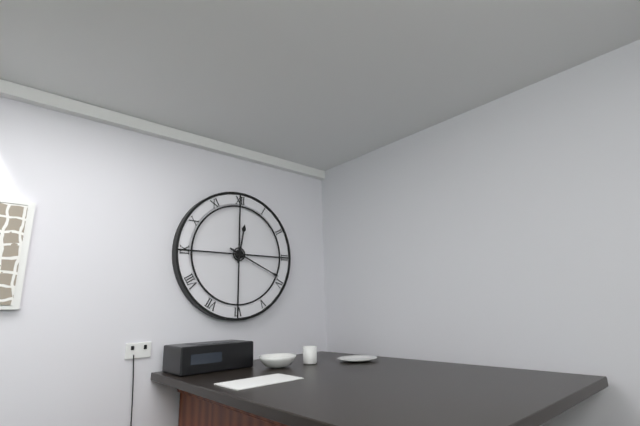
12,19
